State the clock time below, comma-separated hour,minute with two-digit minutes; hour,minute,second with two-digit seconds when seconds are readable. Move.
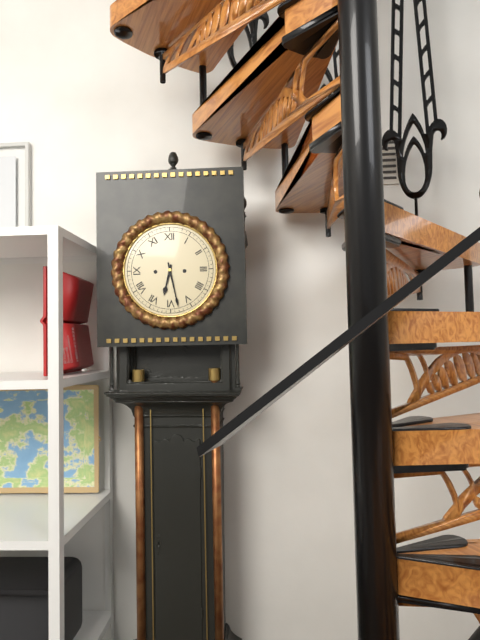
6,28
